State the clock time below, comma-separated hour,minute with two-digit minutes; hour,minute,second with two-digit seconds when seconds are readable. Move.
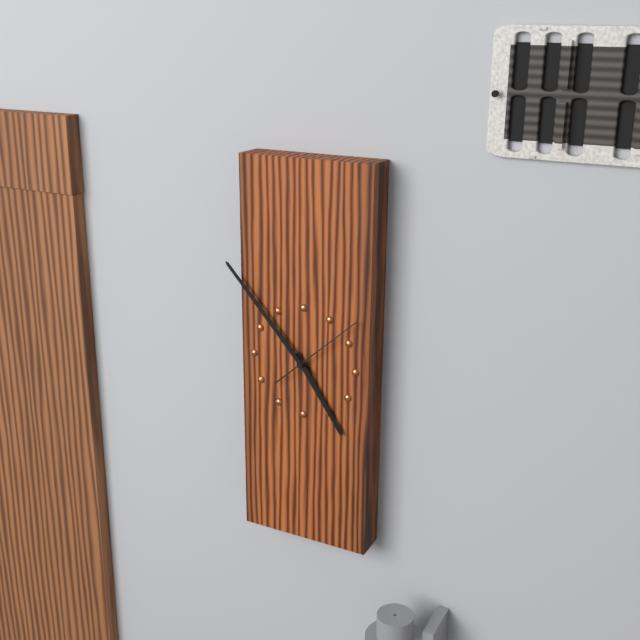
4,53,08
